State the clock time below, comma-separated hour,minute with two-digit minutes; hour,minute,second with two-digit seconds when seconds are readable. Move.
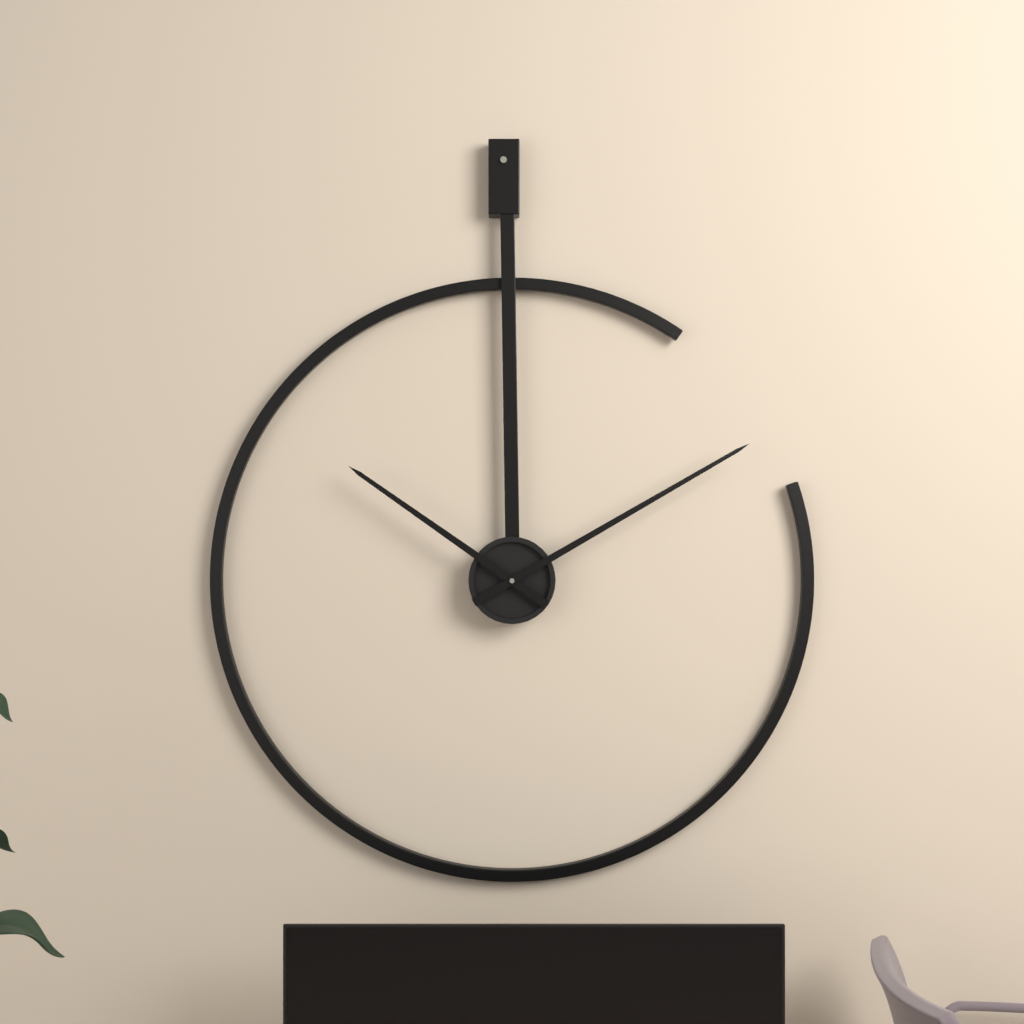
10,10
